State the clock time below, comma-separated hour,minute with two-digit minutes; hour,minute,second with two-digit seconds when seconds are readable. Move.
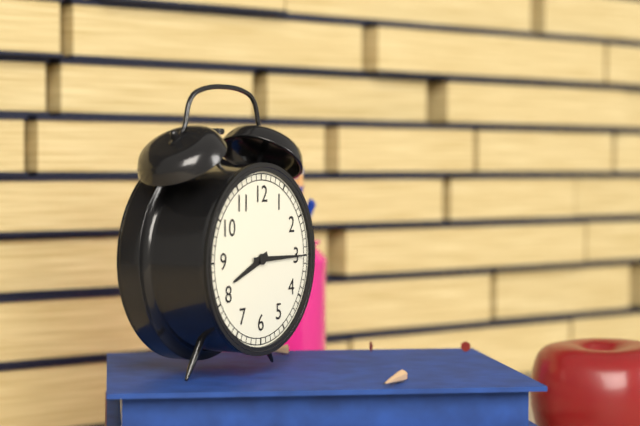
8,15
